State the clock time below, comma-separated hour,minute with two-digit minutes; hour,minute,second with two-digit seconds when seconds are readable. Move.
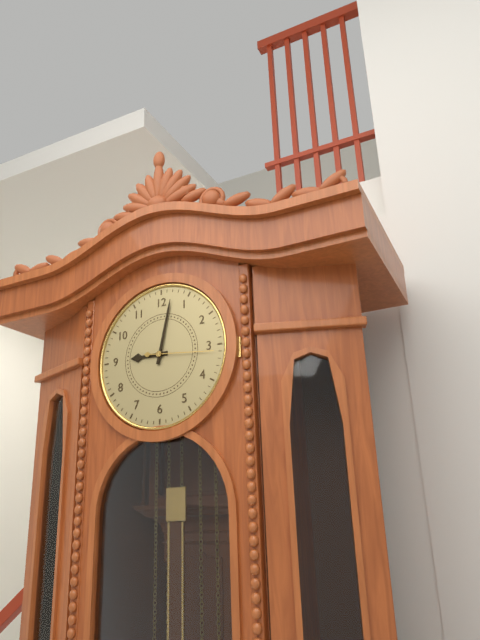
9,02,16
